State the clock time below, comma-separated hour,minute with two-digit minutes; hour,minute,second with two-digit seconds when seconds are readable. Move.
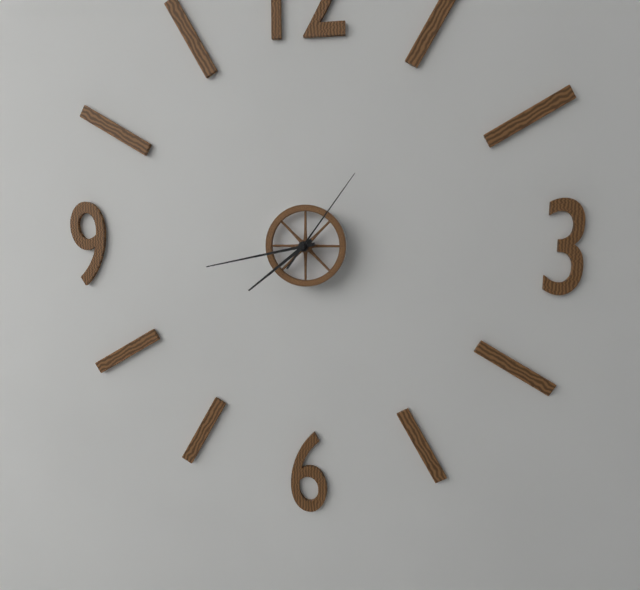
7,43,06
